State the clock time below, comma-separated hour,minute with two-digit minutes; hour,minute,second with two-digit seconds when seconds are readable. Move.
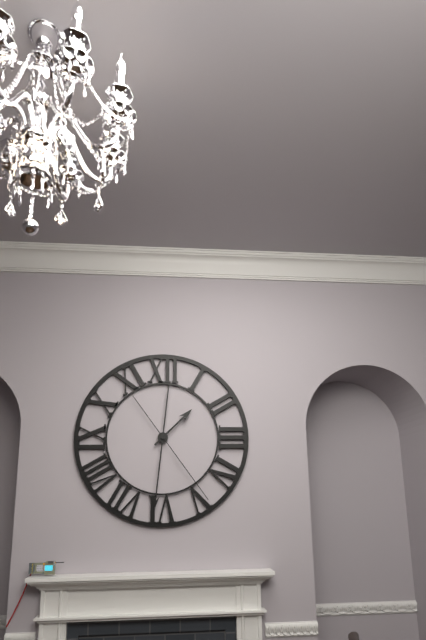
1,31,24
